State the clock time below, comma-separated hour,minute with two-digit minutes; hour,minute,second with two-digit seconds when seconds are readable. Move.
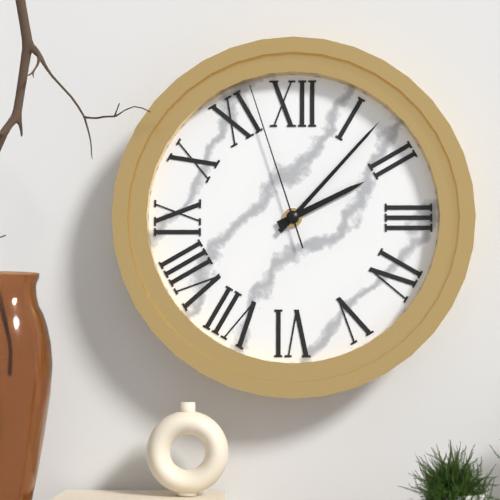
2,07,57
